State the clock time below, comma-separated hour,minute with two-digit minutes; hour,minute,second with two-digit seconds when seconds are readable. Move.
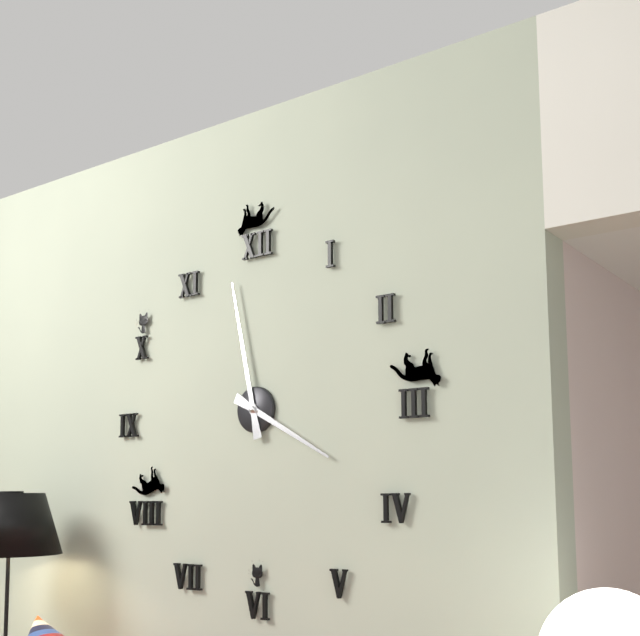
3,58
